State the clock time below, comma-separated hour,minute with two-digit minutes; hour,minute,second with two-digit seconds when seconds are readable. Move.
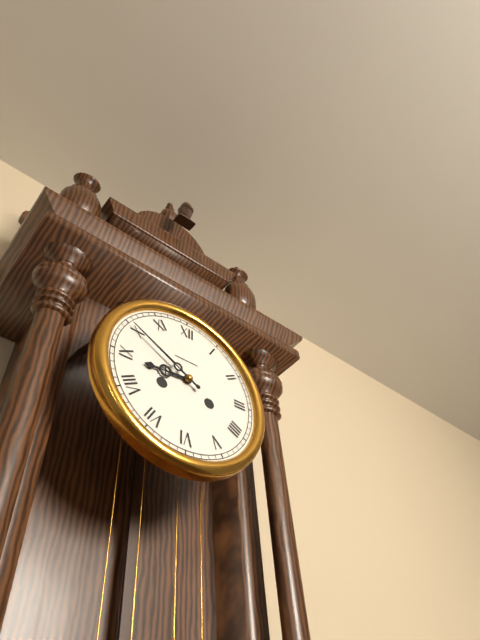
8,50
